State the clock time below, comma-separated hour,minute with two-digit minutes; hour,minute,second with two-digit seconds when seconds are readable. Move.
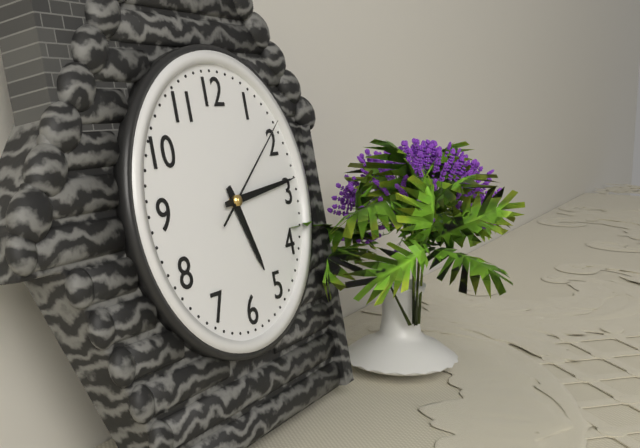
5,14,09
